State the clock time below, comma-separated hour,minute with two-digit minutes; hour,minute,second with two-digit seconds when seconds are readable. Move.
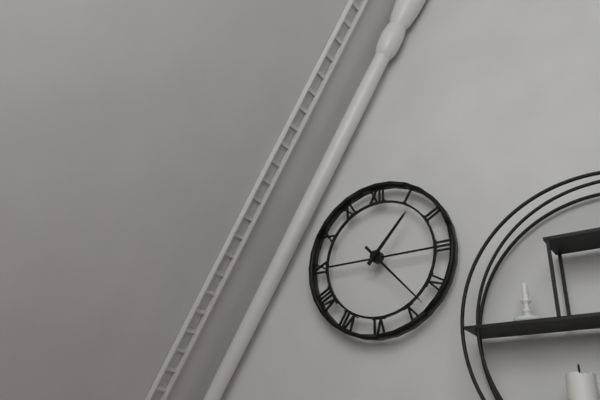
1,23
